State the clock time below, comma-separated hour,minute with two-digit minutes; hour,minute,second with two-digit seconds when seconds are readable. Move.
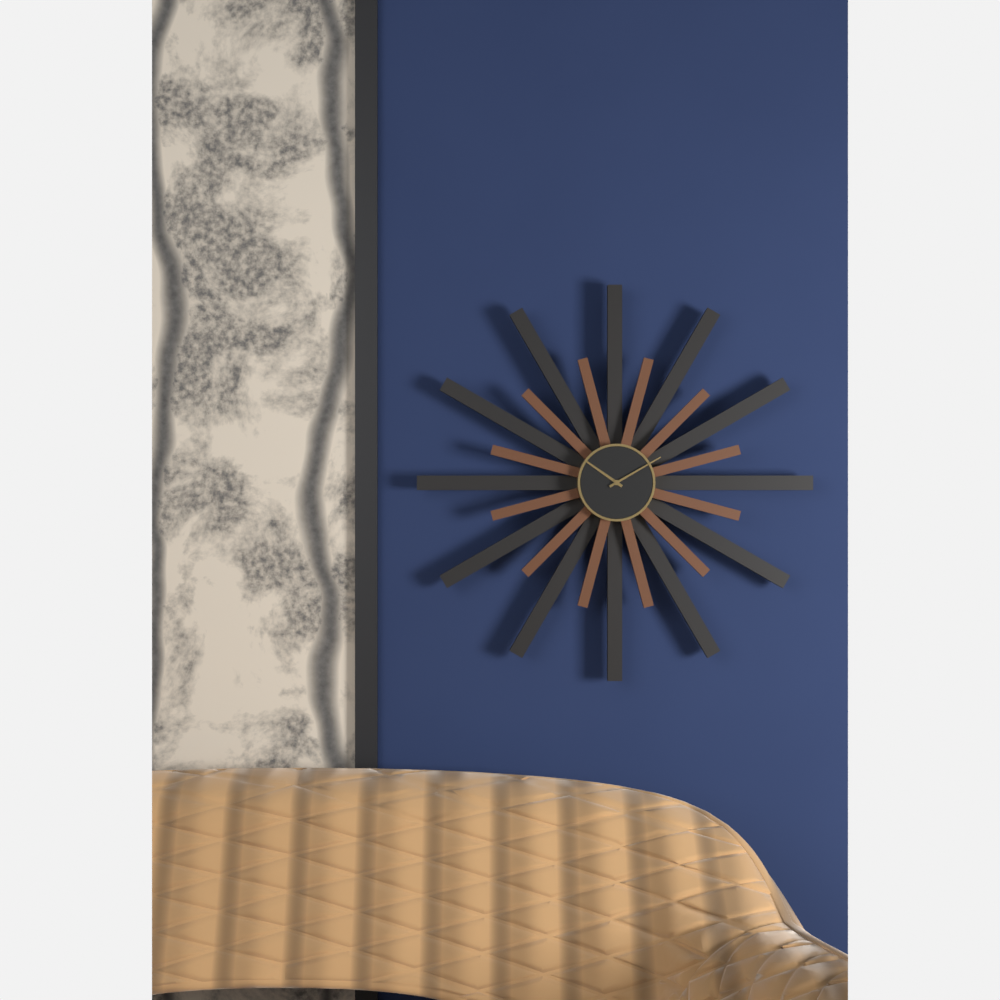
10,10
